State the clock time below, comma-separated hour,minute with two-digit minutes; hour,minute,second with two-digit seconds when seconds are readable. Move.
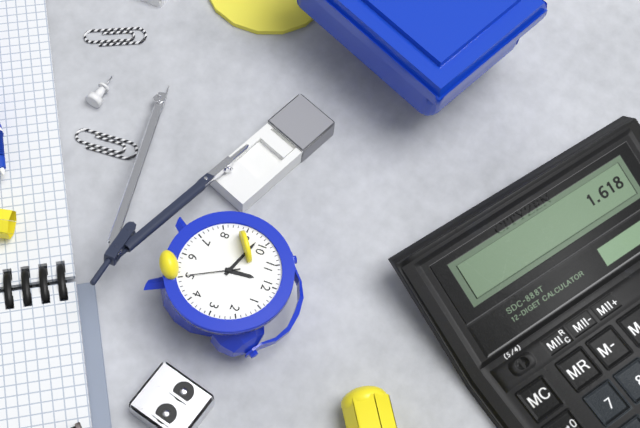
11,48,25
